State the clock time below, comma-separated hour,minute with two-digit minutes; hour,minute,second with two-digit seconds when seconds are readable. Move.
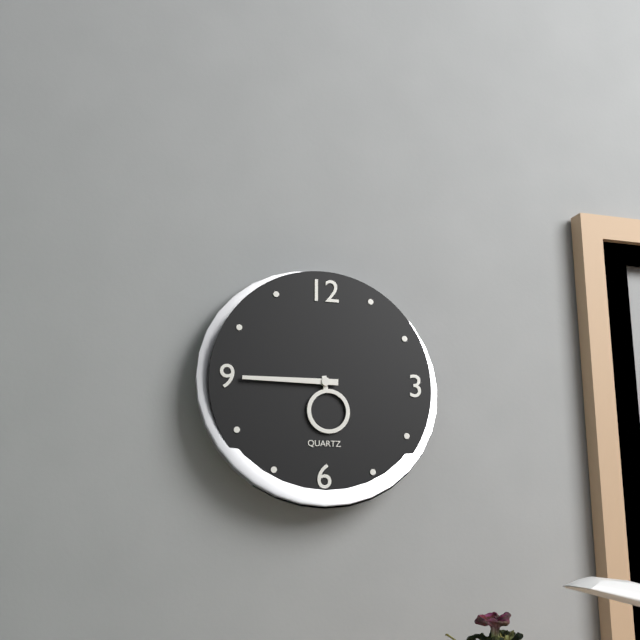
5,45
